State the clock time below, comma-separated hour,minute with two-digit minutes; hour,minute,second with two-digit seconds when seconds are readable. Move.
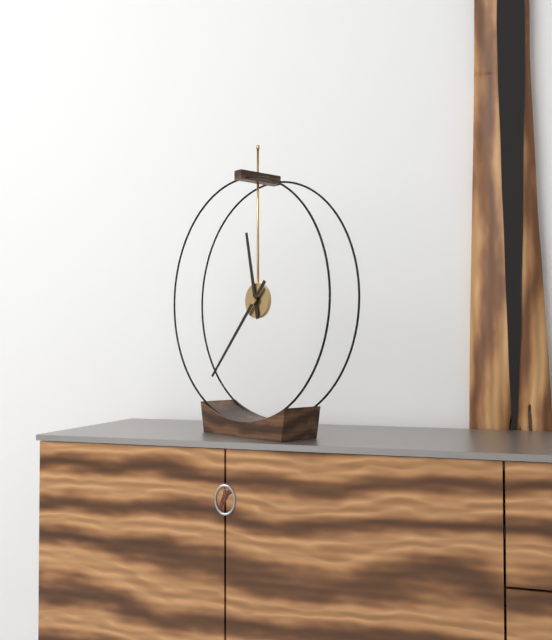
11,37
